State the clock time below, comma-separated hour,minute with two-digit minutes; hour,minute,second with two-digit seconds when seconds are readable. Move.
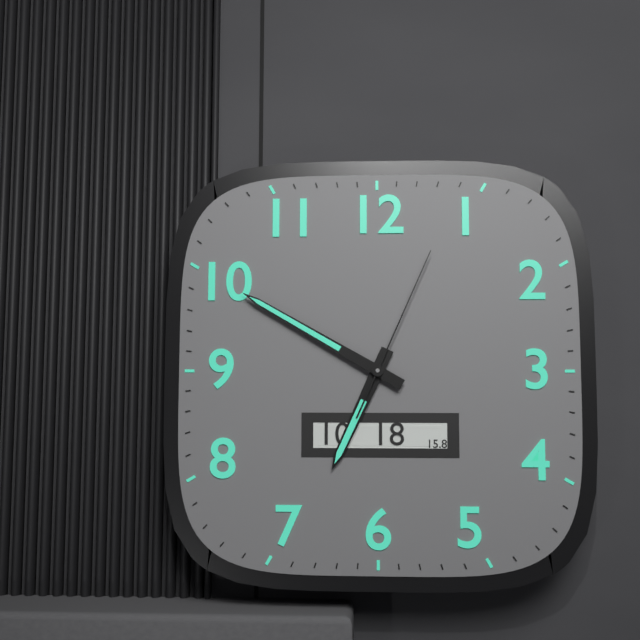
6,50,04
